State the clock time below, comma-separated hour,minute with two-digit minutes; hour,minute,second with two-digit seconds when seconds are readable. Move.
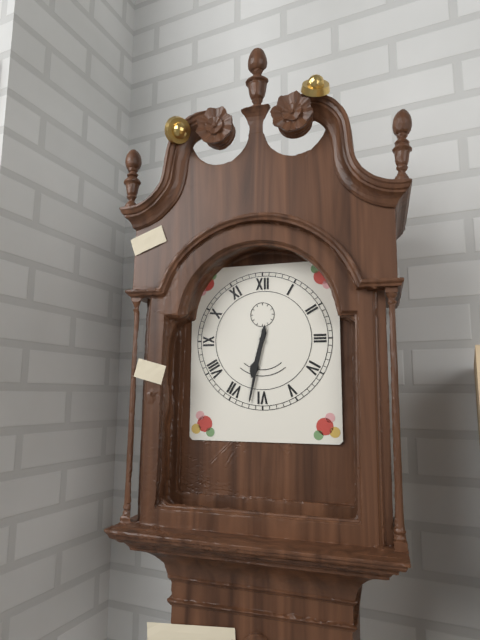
6,32
